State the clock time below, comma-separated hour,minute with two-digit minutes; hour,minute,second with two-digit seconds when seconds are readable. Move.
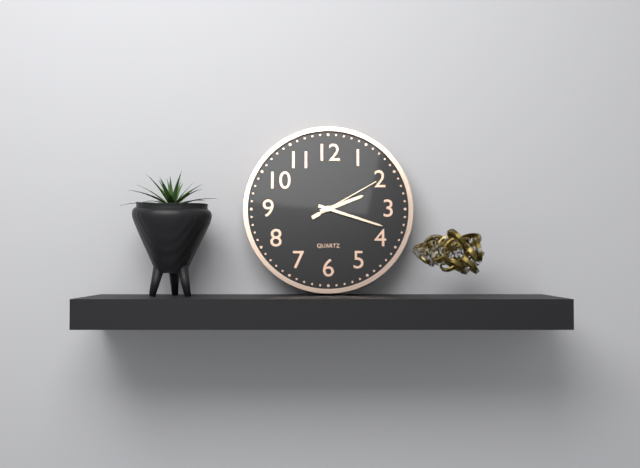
2,18,10
